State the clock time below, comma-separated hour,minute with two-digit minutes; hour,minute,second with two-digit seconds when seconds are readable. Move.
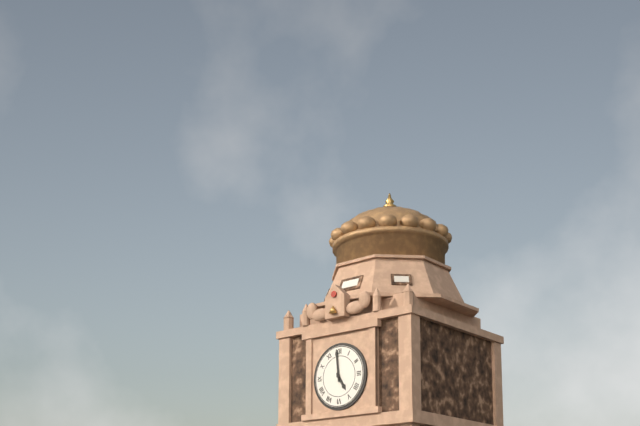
4,59
